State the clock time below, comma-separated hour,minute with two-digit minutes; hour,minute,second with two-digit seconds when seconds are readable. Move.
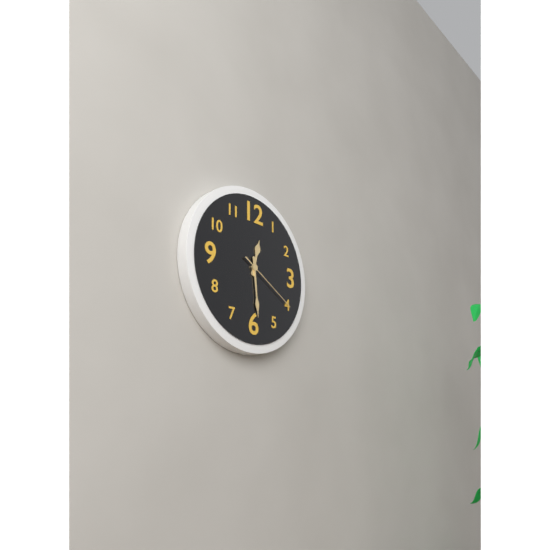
12,29,20
